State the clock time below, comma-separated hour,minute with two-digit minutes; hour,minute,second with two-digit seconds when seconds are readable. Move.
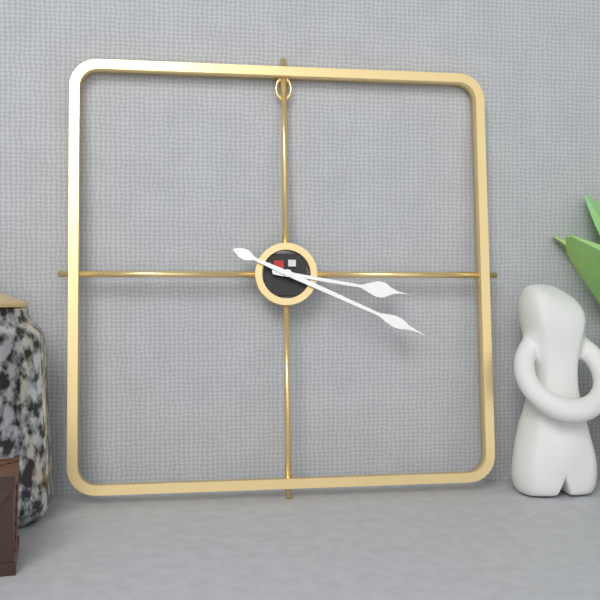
3,19
